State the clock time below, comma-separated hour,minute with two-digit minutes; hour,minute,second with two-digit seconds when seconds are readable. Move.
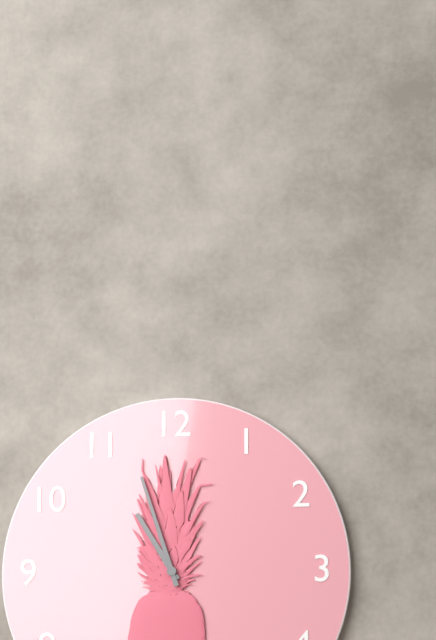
10,57
